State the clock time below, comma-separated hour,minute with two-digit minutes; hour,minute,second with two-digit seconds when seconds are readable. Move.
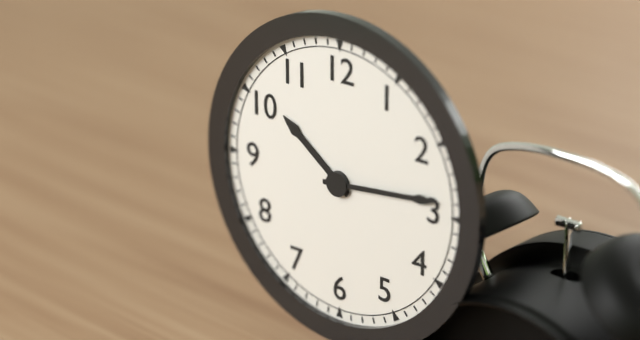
10,14
